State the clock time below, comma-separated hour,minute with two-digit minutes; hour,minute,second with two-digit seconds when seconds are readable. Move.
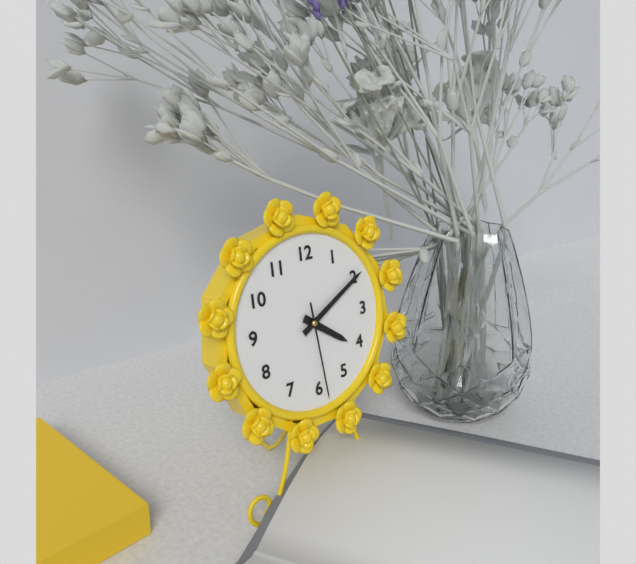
4,10,29
